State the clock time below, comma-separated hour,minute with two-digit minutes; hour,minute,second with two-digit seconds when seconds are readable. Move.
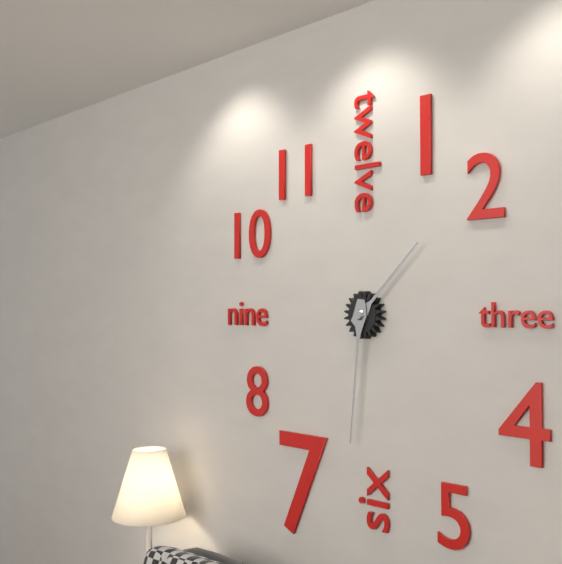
1,31
